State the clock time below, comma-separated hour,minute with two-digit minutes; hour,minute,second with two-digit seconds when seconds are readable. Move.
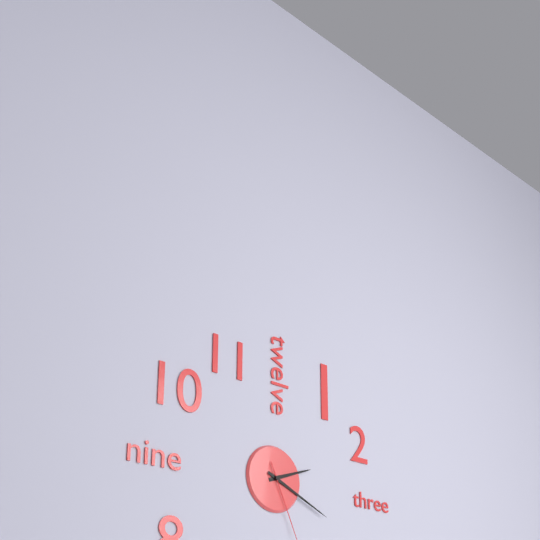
2,19
